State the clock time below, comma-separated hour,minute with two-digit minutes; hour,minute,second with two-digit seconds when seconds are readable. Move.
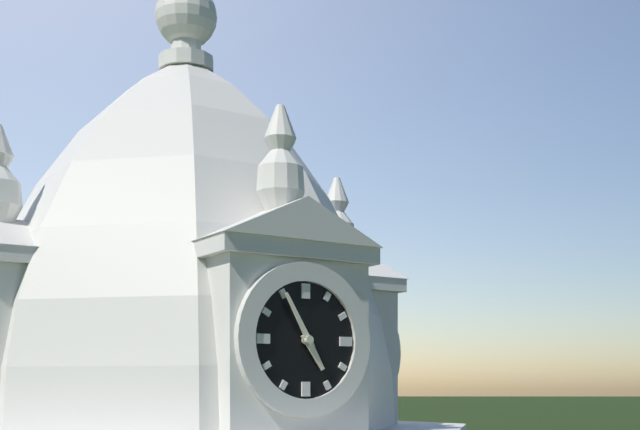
4,55
